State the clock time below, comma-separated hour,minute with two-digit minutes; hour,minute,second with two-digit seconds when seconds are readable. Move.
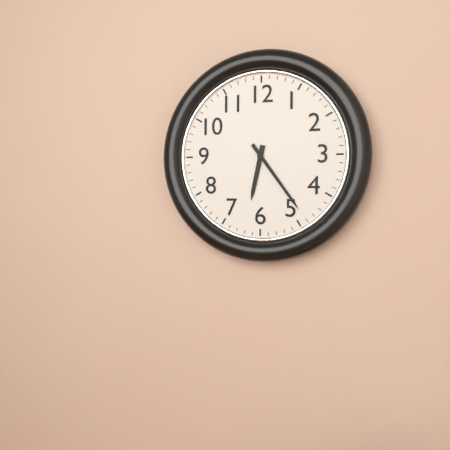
6,24
